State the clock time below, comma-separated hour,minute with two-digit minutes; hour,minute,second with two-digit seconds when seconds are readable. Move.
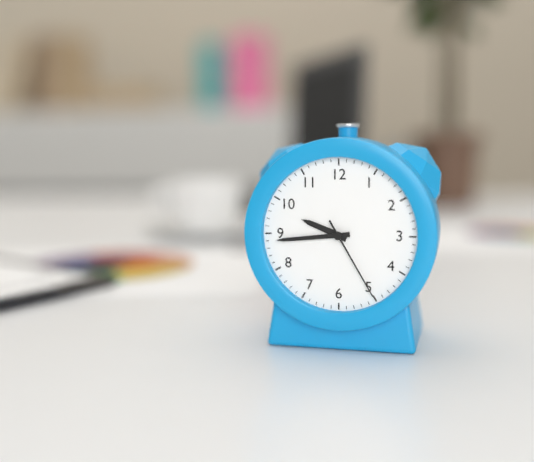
9,44,25
